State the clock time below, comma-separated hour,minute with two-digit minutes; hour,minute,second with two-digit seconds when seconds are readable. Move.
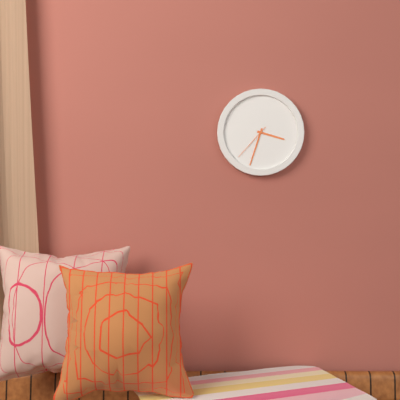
3,33
